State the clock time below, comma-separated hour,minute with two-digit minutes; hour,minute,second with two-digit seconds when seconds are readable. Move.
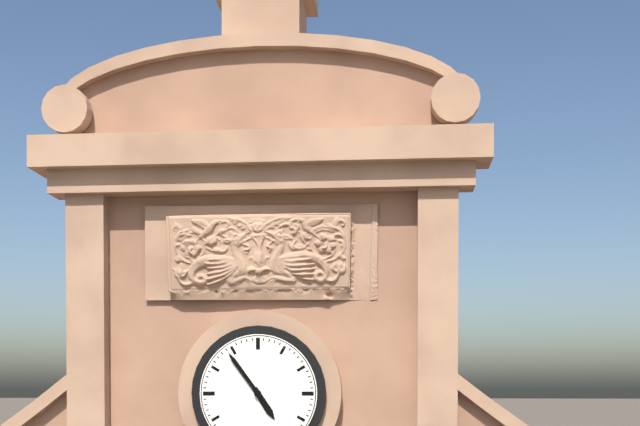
4,54
